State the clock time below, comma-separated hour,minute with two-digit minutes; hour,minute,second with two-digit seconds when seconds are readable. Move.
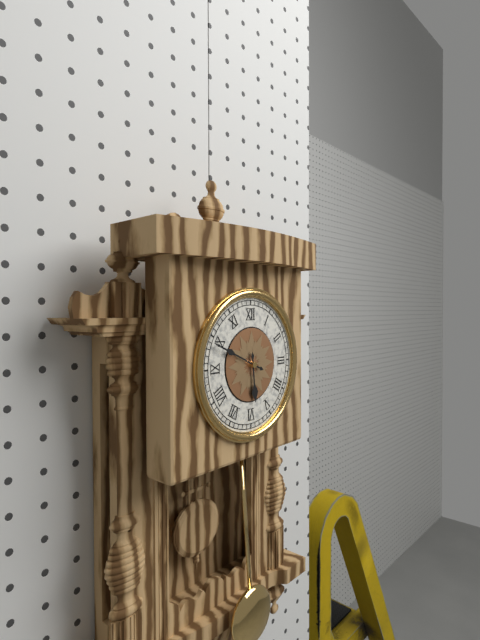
5,49
